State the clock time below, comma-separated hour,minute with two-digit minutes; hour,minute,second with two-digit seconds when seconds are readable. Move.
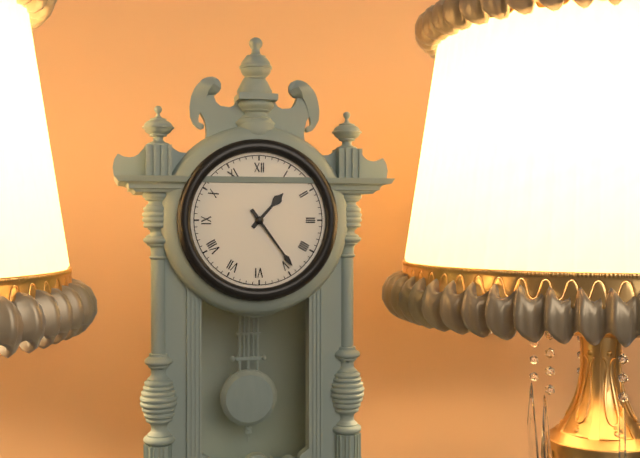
1,24
